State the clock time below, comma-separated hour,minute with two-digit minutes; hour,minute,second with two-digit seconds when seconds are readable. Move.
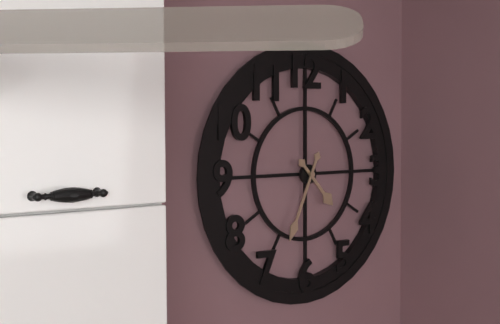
4,34
